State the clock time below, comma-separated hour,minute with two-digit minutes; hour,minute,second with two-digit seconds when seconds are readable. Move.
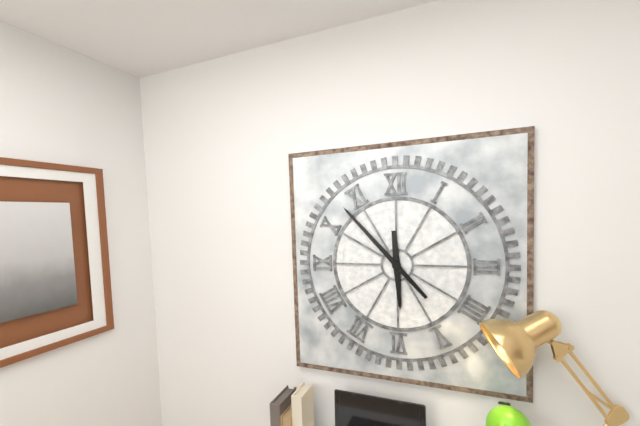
5,53
